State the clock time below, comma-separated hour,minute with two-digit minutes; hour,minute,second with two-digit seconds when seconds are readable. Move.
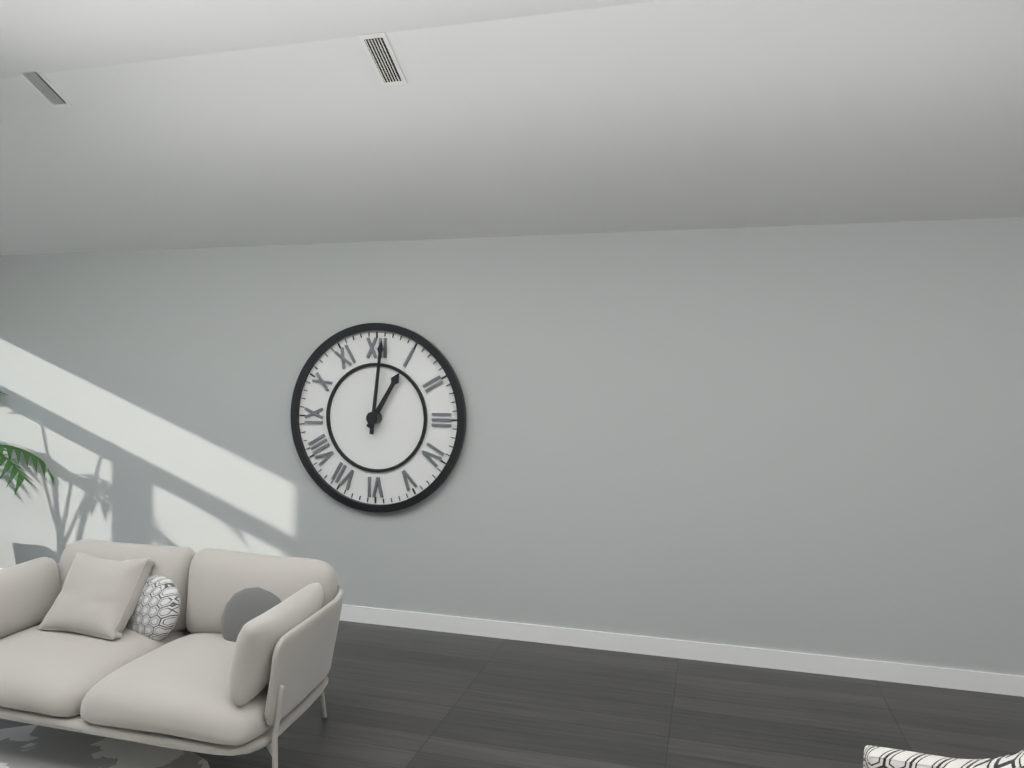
1,01
